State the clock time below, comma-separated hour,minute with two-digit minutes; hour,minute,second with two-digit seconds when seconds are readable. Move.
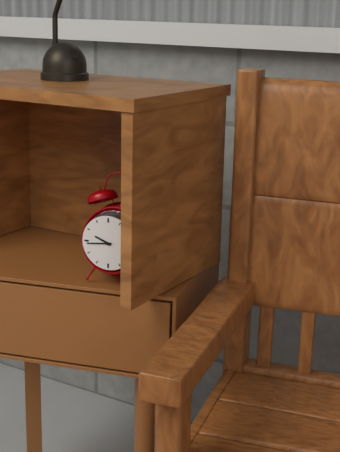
9,44
